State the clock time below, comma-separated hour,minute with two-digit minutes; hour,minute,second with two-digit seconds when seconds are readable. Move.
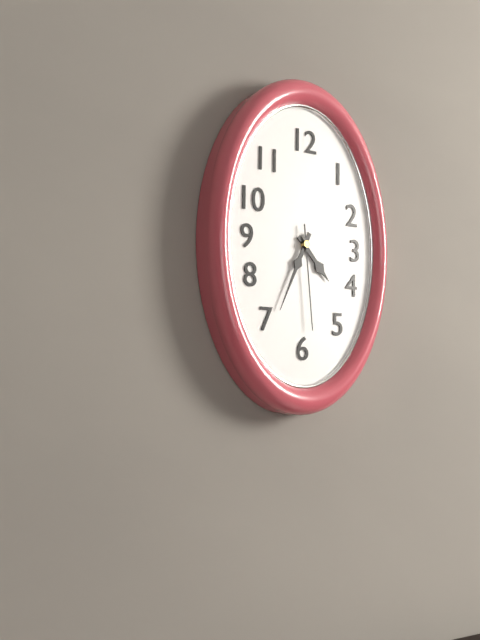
4,34,29
